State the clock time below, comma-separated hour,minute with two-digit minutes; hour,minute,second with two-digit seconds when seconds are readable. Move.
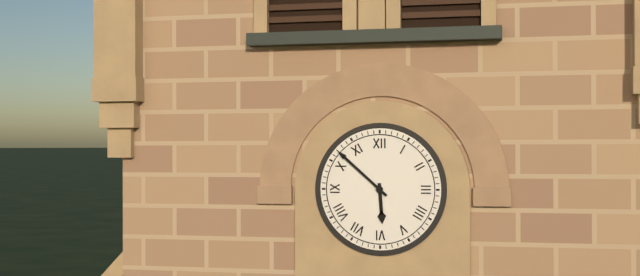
5,52
